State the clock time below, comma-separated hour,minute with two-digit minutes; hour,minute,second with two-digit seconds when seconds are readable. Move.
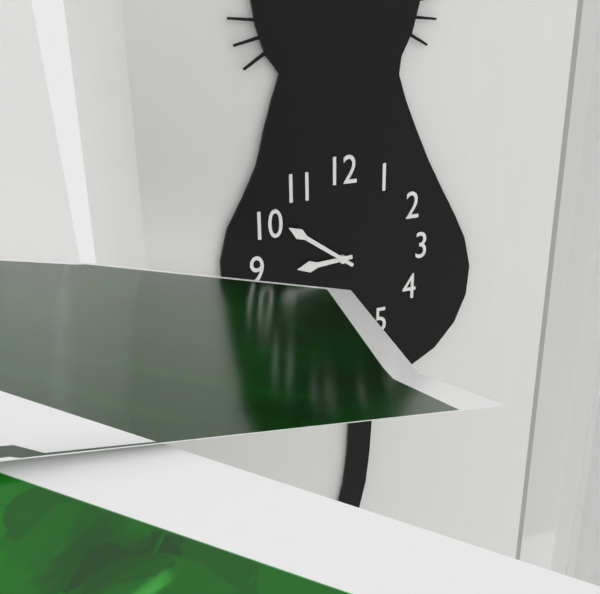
8,51
